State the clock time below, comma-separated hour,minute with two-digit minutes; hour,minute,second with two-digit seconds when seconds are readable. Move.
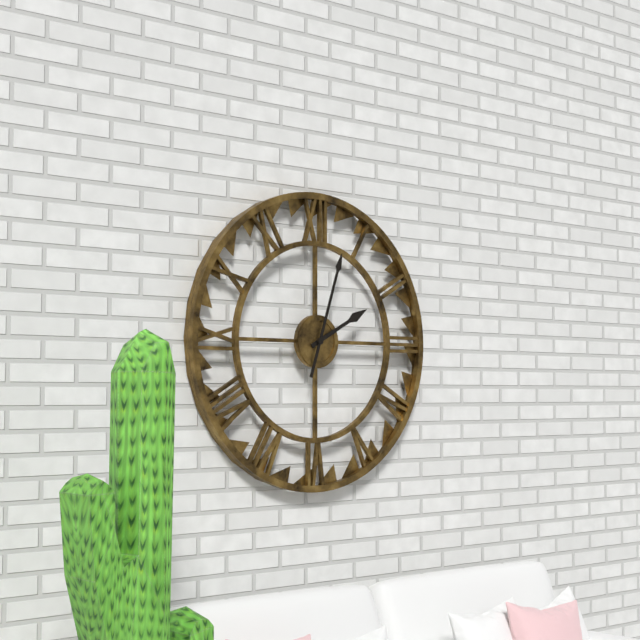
2,03
